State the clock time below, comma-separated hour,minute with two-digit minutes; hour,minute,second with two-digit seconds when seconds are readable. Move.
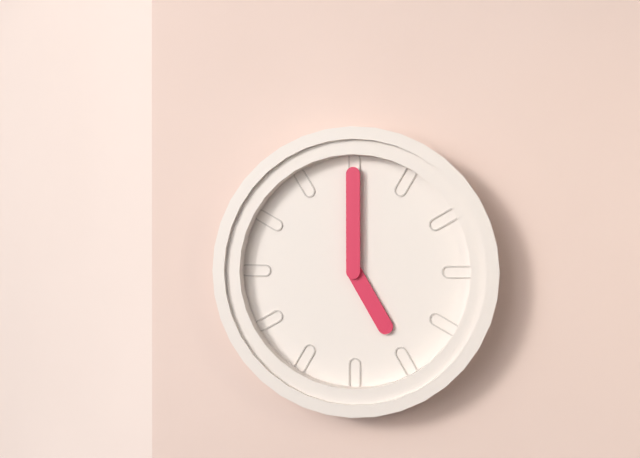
5,00
